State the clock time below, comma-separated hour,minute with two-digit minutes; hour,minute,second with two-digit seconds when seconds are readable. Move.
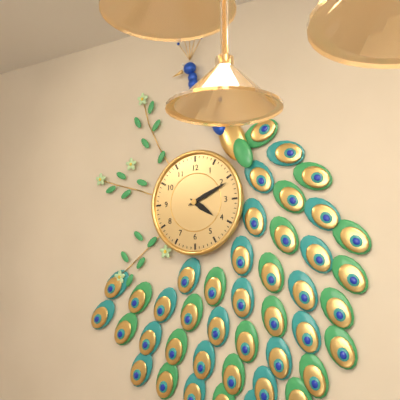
4,11
